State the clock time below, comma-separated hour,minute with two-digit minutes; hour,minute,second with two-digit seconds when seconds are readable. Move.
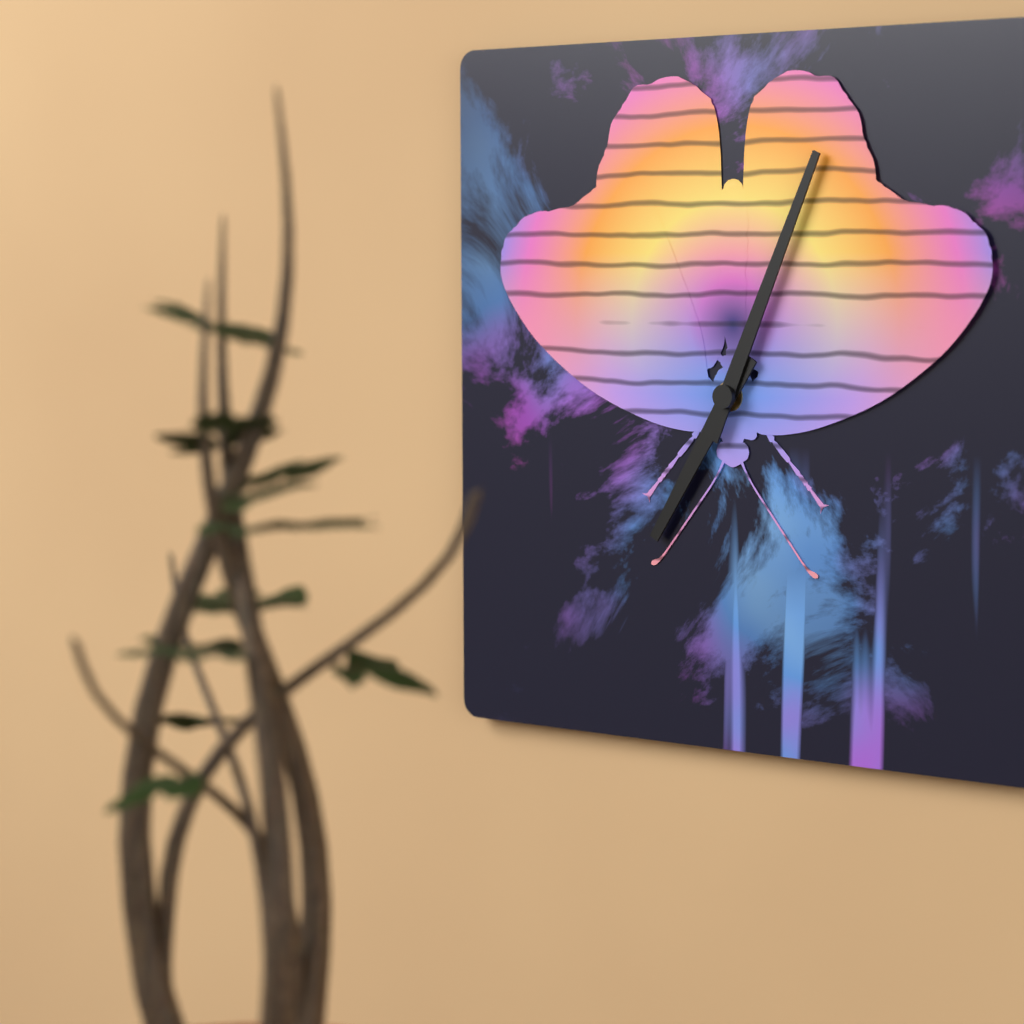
7,04
